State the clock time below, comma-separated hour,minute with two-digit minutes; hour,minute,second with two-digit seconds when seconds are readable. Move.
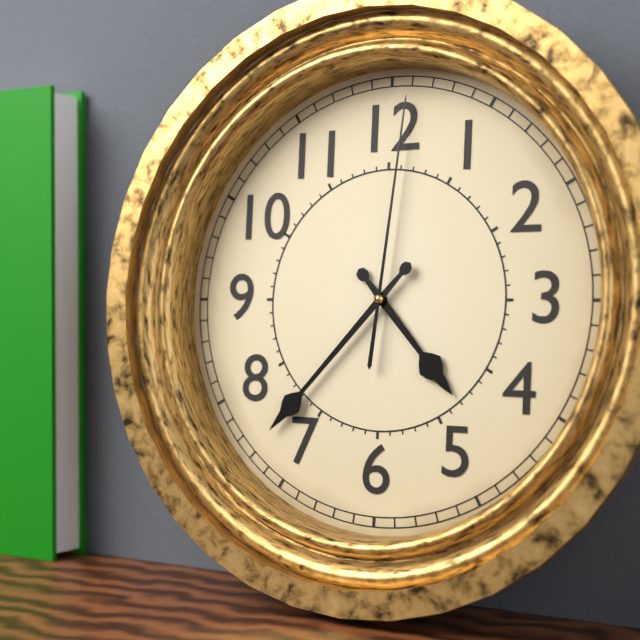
4,37,01
